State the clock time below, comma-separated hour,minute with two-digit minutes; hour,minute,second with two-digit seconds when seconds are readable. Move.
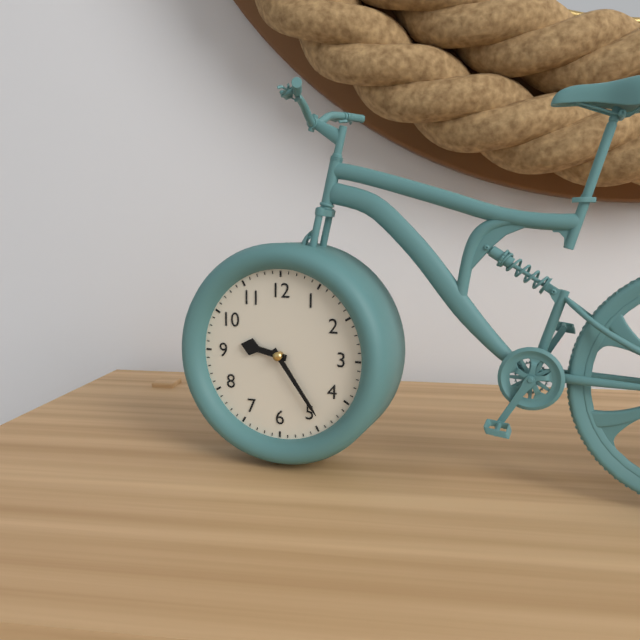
9,24
